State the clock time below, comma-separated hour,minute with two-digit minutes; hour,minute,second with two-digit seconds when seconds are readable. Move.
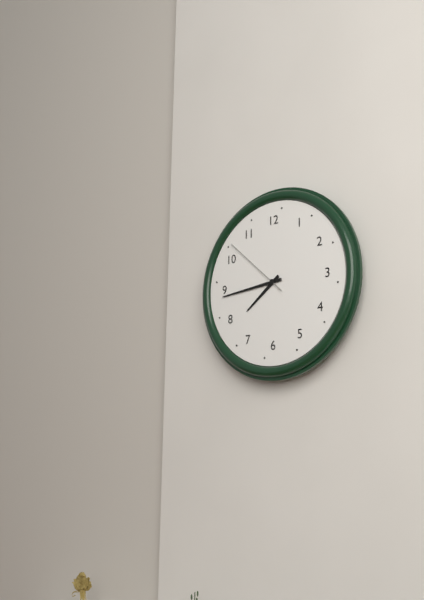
7,44,52
